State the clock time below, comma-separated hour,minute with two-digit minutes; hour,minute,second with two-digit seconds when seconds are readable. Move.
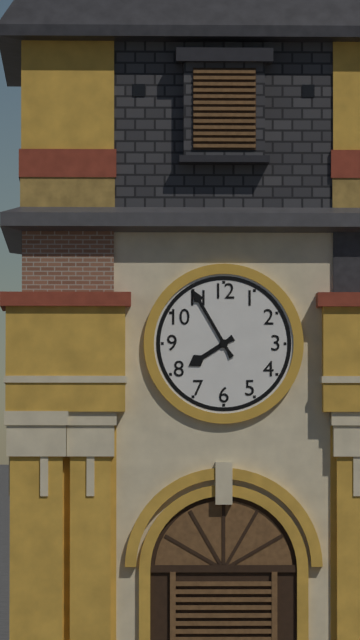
7,55
